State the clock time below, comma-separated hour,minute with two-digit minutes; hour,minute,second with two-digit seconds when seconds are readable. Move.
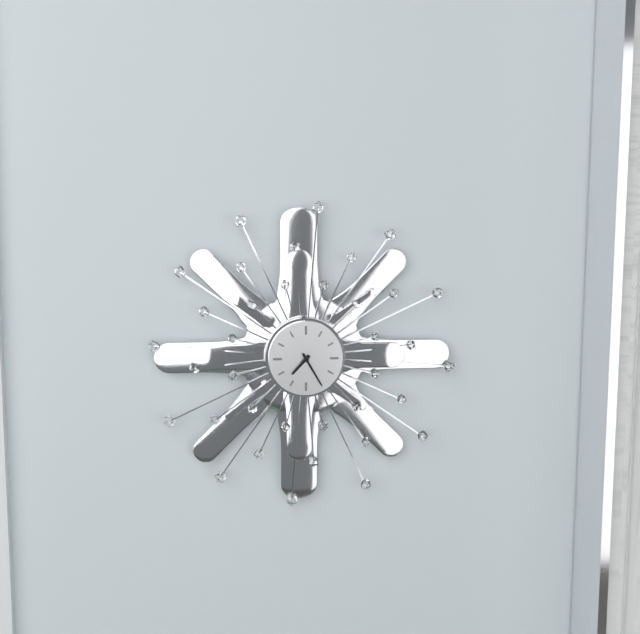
7,25
